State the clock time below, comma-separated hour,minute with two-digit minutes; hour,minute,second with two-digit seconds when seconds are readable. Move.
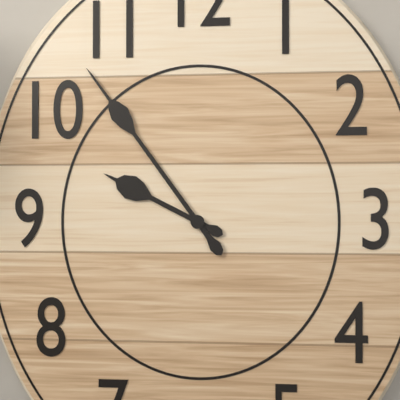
9,54
